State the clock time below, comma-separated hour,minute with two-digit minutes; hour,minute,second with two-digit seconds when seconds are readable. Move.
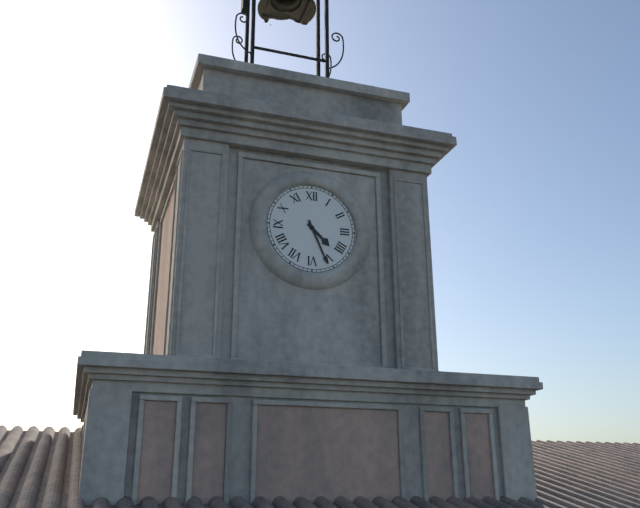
4,26
